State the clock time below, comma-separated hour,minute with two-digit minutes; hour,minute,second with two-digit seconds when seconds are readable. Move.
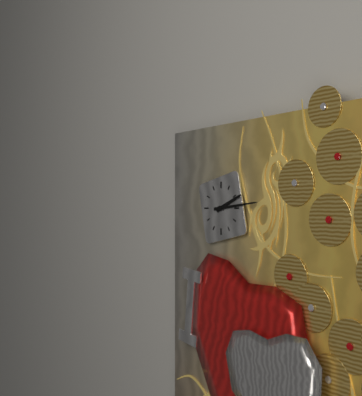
2,14
